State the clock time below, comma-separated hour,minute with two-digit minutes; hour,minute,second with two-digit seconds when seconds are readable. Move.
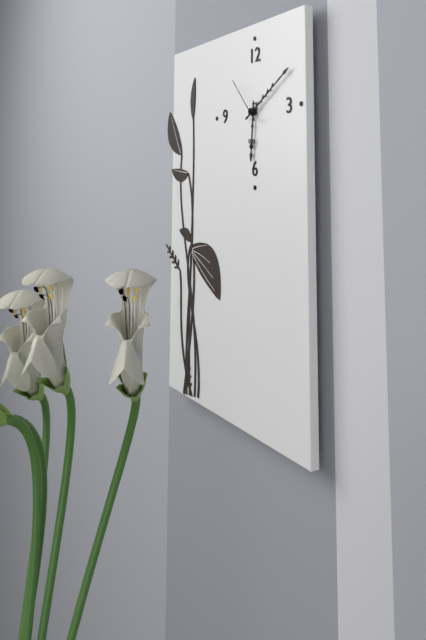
6,10
